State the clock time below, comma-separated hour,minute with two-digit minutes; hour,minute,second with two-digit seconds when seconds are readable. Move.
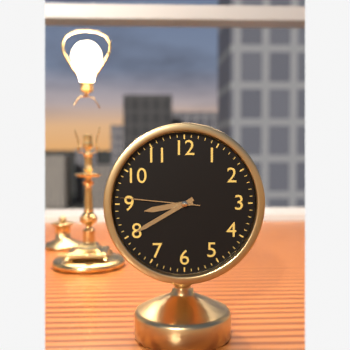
8,40,46
